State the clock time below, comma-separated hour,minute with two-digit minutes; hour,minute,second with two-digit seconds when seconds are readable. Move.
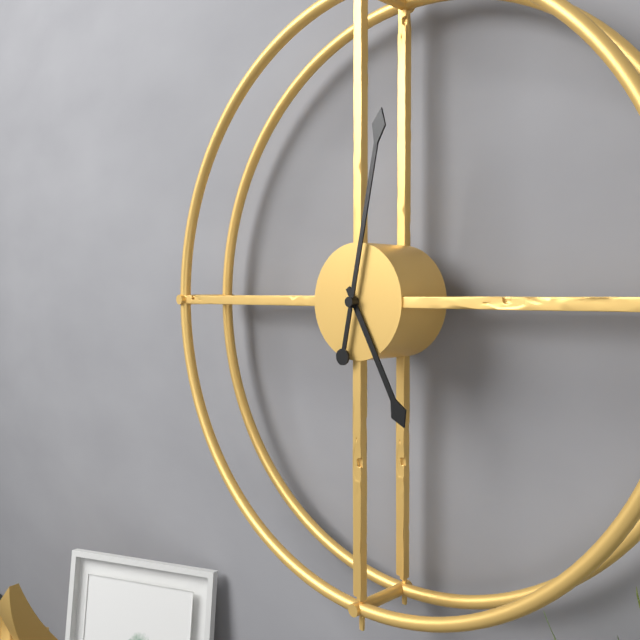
5,02
